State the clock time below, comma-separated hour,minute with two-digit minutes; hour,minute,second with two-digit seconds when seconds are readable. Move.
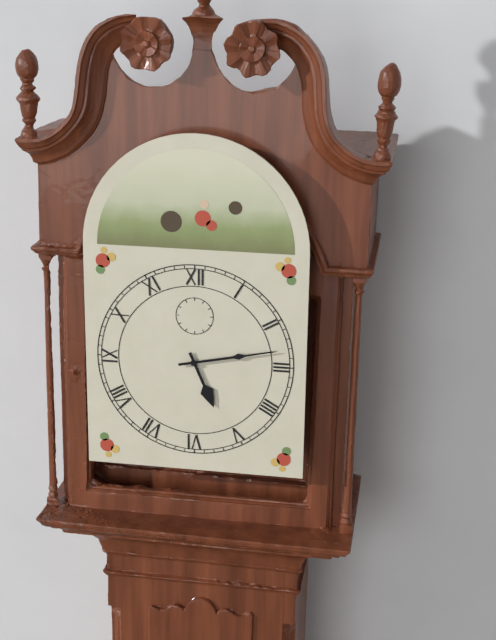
5,13
